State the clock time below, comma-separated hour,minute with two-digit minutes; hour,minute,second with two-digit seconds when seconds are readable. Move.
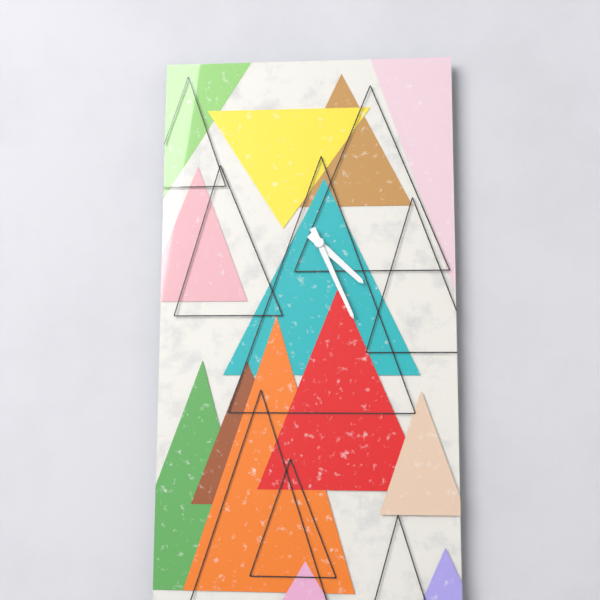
4,26
